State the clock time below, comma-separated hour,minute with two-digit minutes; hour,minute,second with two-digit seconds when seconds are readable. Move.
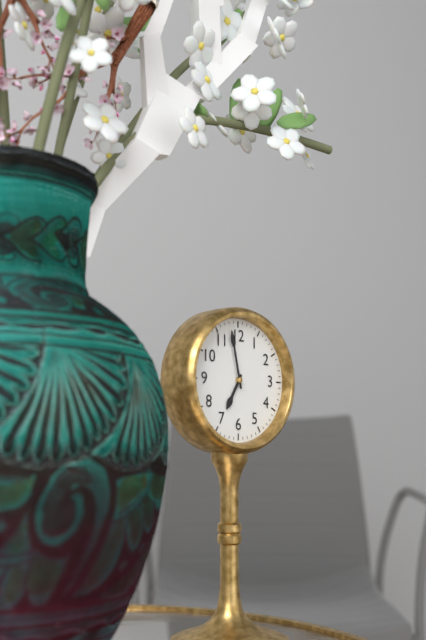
6,58
